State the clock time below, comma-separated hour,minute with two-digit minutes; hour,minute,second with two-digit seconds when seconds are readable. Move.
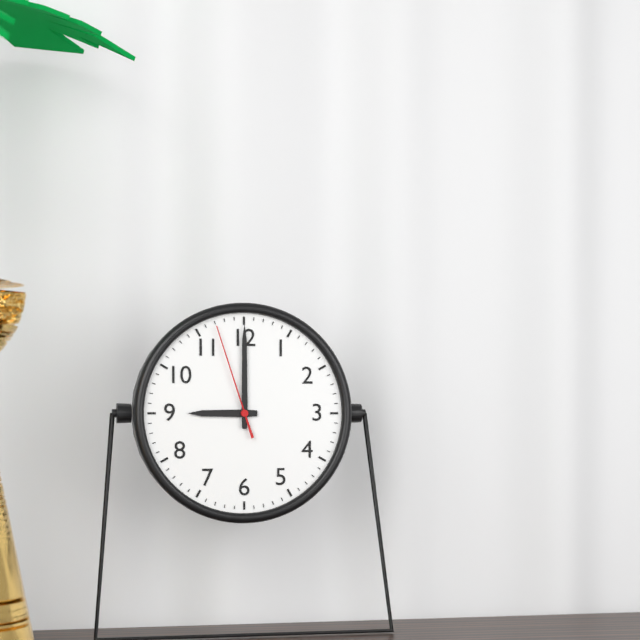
9,00,57
